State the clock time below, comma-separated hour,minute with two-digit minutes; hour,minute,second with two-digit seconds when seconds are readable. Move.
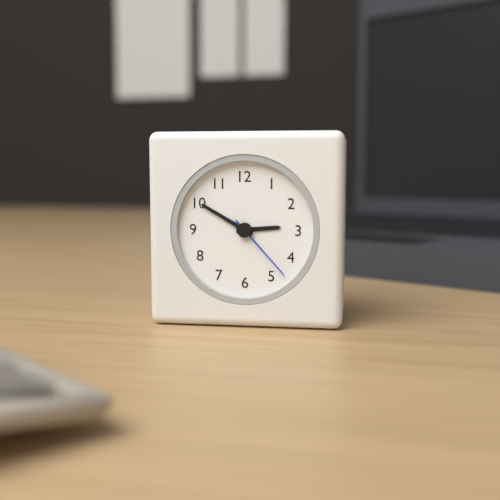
2,50,23
